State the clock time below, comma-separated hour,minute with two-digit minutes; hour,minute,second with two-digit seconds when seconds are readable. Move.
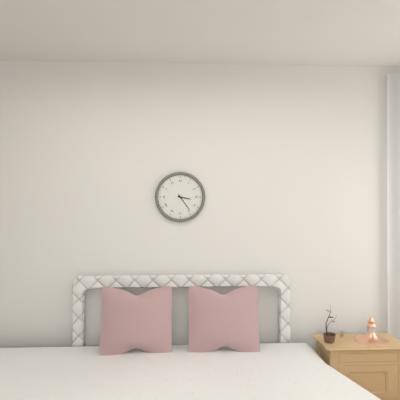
3,24
